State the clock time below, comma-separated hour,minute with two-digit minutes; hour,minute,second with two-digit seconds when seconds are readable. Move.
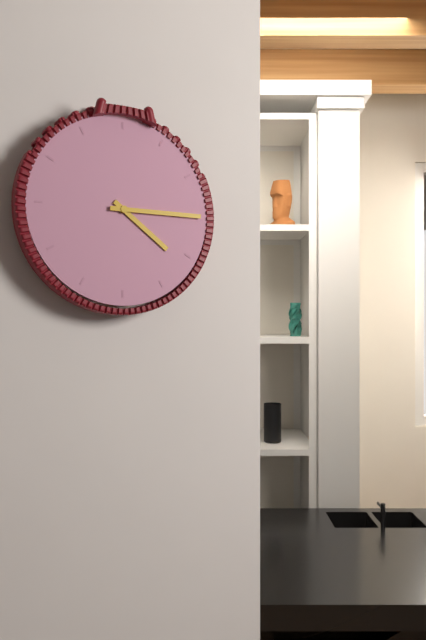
4,15
